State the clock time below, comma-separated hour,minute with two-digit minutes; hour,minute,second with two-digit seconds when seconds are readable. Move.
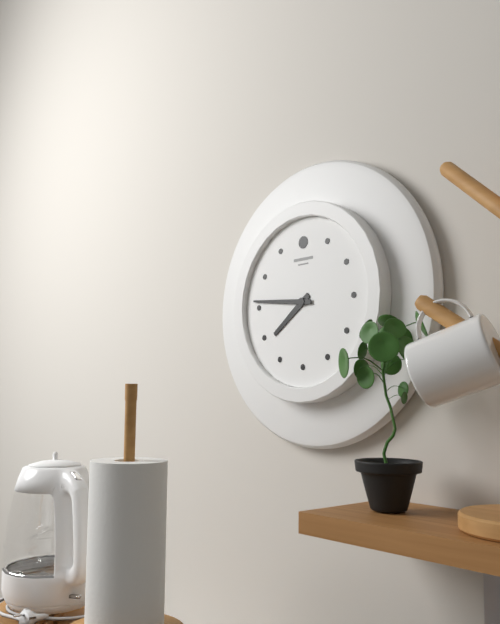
7,46
